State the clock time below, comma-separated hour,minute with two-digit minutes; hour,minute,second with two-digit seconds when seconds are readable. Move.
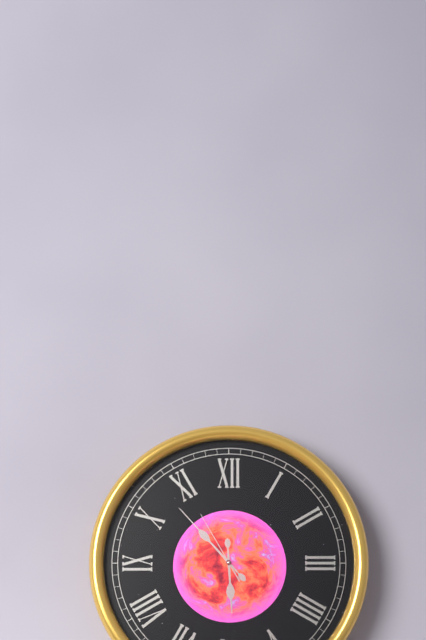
5,53,55
